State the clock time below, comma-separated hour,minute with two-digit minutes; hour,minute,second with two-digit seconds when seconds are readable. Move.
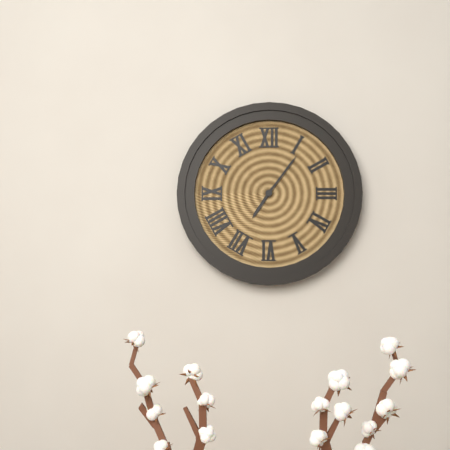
7,06
